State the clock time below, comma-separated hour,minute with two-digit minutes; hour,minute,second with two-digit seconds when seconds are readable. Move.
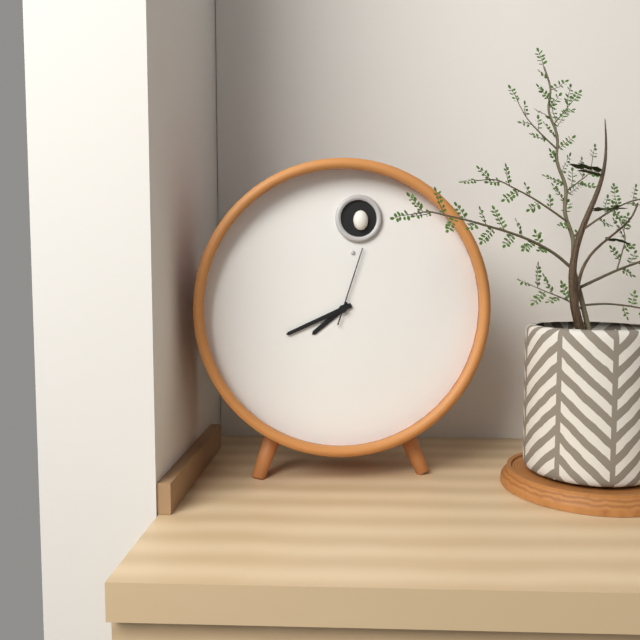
7,41,03
